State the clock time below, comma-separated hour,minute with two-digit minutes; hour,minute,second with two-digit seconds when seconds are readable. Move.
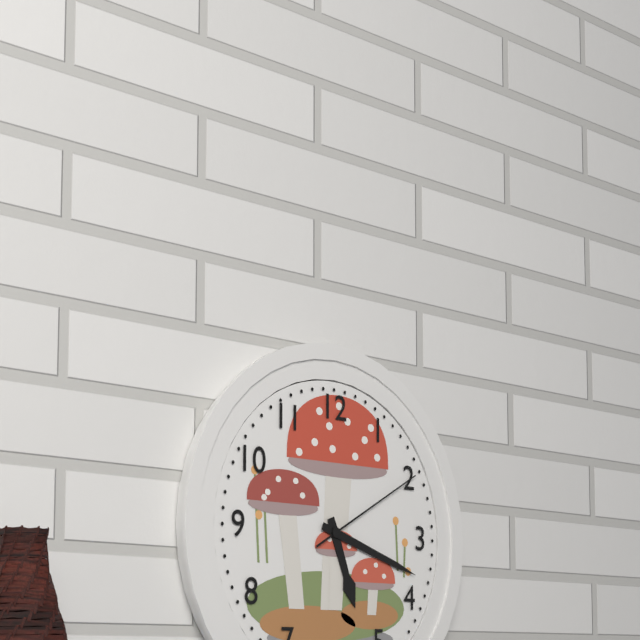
5,18,10
